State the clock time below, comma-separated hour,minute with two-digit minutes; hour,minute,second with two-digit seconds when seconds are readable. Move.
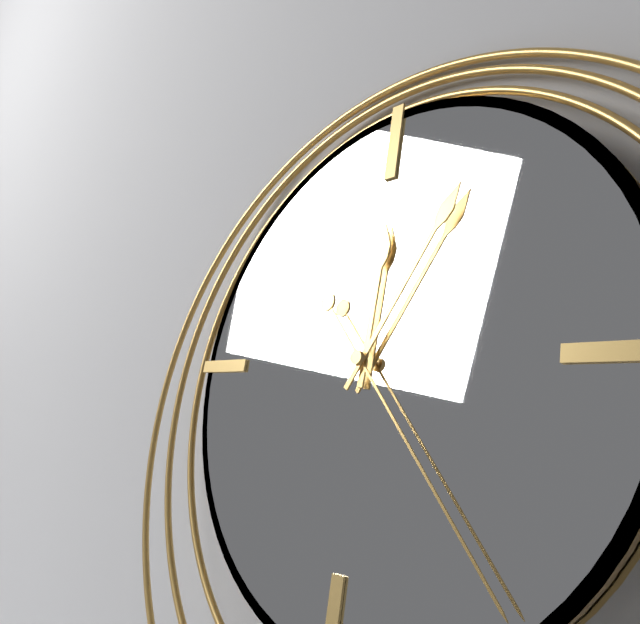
12,05,23
